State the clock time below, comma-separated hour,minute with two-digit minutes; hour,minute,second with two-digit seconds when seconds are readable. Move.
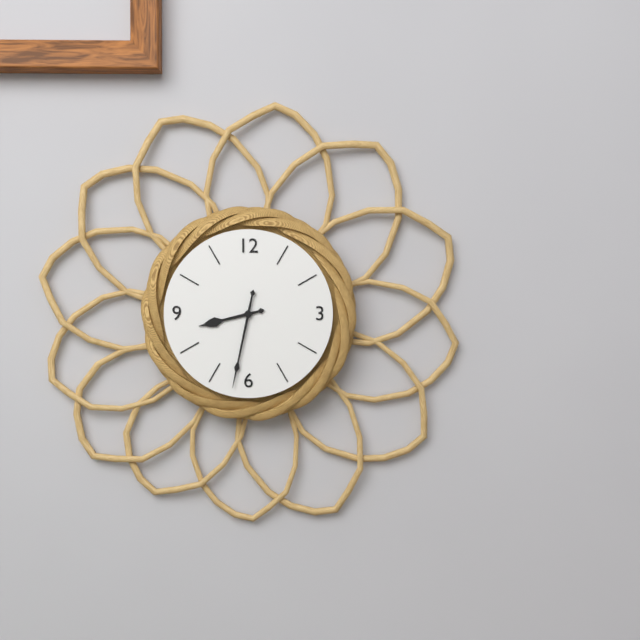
8,32
